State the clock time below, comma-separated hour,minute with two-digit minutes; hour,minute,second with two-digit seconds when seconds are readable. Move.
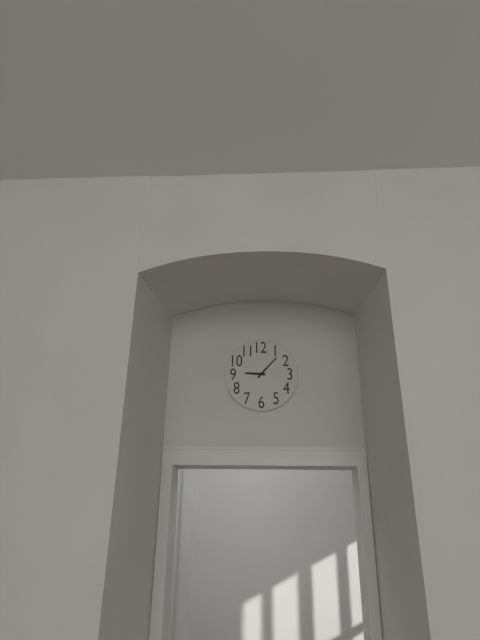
9,07
